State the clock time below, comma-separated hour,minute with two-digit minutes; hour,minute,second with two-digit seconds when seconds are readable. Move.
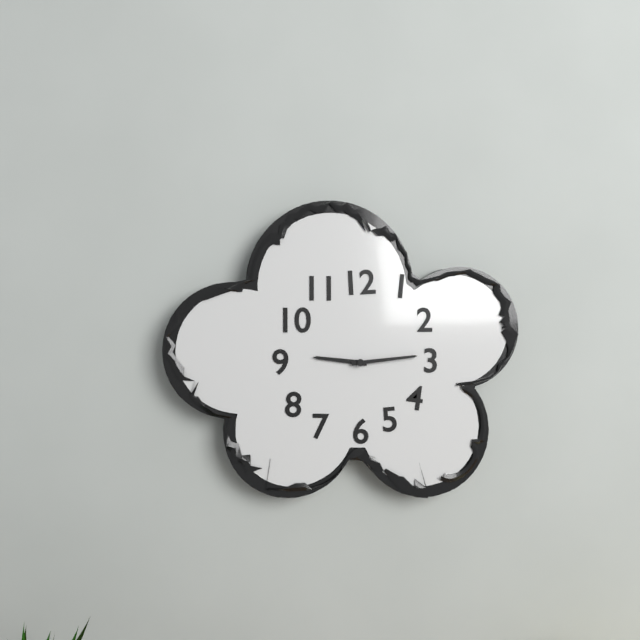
9,14
